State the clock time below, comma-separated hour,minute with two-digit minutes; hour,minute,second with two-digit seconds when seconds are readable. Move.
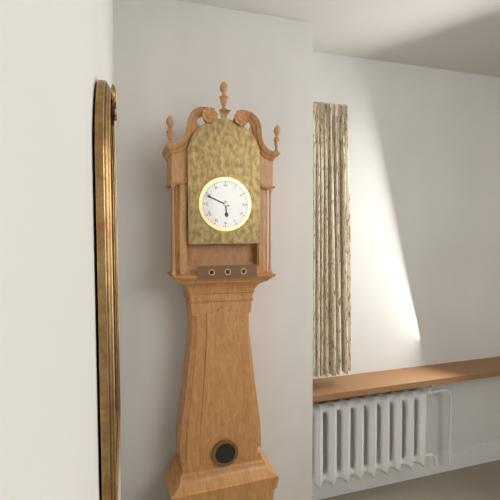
5,49
